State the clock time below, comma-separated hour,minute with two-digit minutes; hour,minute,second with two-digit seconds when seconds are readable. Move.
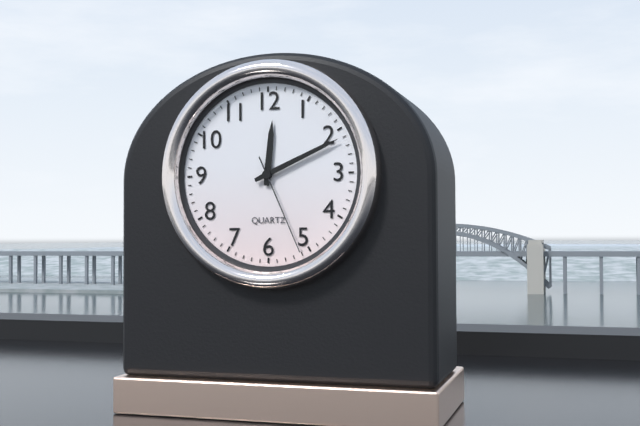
12,11,26
